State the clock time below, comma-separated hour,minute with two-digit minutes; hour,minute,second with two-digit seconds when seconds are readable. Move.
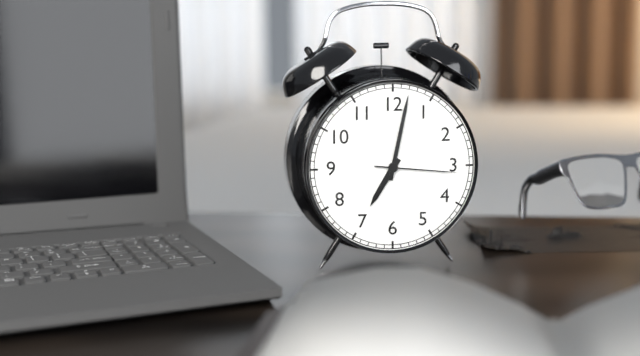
7,02,16
